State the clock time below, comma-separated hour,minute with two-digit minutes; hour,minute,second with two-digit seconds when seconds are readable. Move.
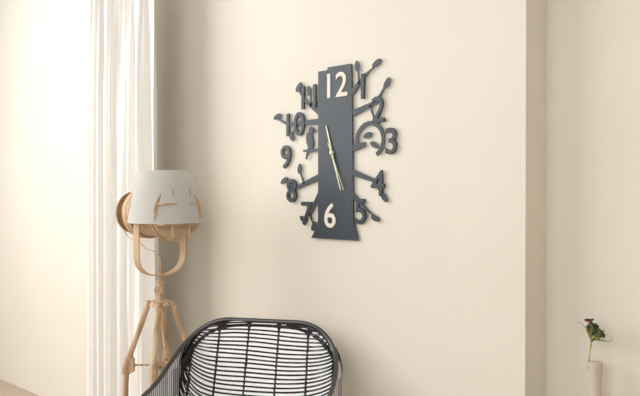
11,27
